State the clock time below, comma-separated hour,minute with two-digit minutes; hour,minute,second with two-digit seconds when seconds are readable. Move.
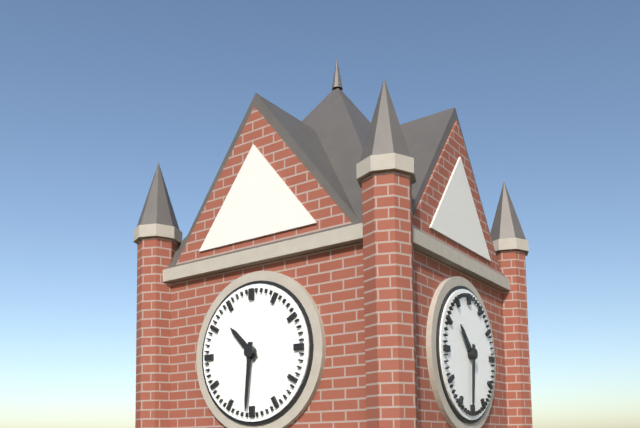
10,31
